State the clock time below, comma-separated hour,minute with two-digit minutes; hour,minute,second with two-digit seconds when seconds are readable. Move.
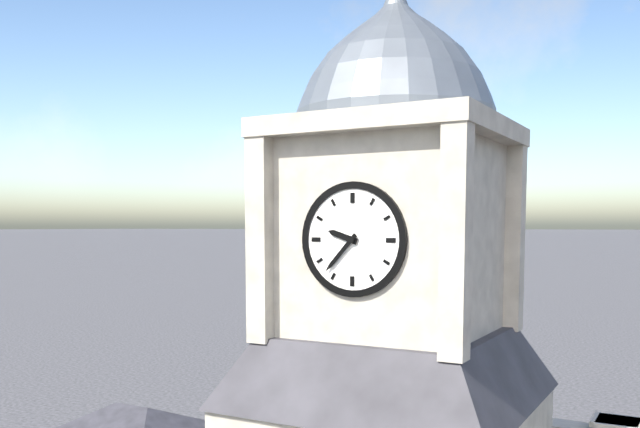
9,37
